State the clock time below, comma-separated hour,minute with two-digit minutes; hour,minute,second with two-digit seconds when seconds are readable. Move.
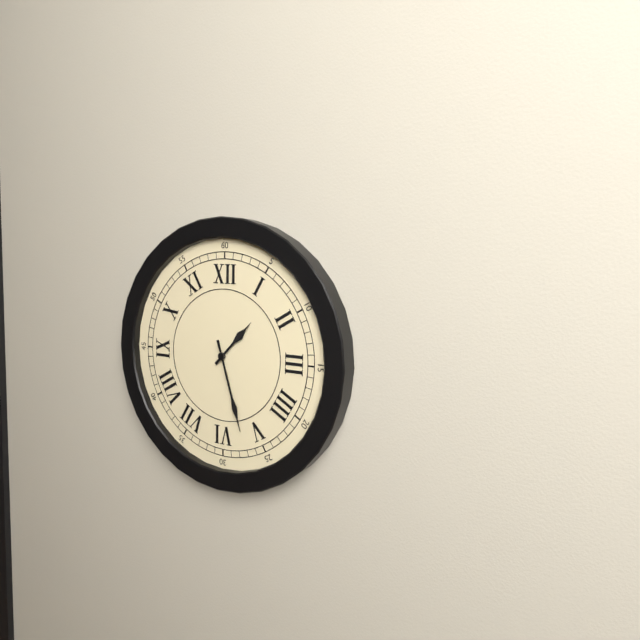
1,27
